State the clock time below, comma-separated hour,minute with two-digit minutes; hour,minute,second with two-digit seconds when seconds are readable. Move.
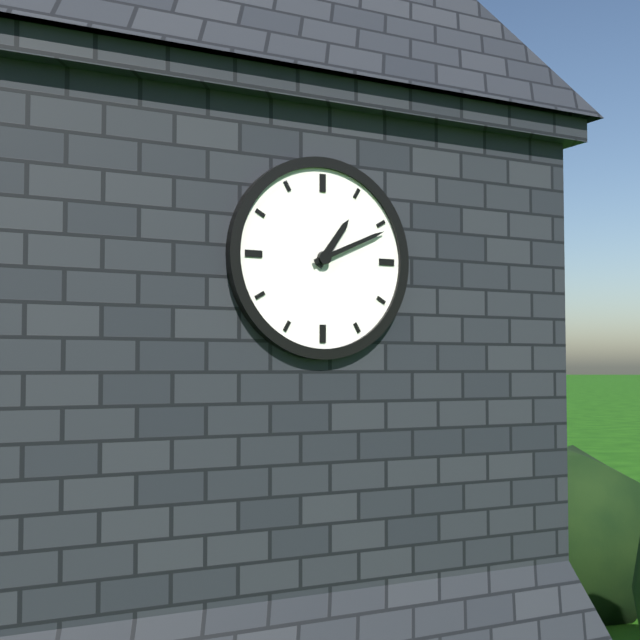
1,11
